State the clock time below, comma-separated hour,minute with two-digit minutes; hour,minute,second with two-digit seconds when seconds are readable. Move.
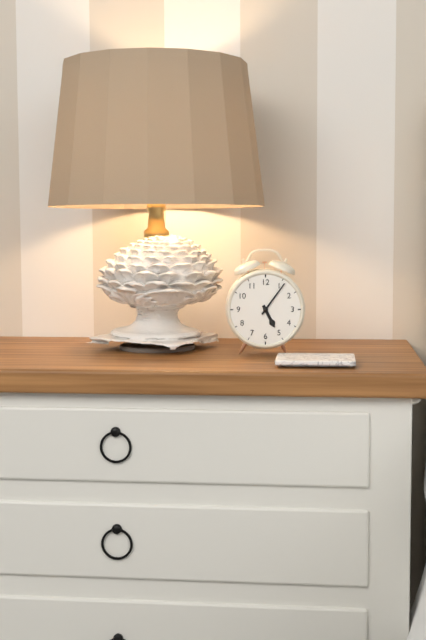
5,06
